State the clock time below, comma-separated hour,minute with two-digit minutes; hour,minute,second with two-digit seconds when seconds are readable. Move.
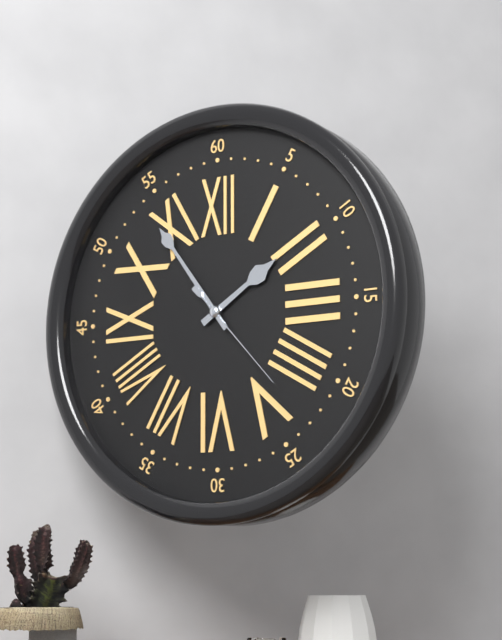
1,54,23
